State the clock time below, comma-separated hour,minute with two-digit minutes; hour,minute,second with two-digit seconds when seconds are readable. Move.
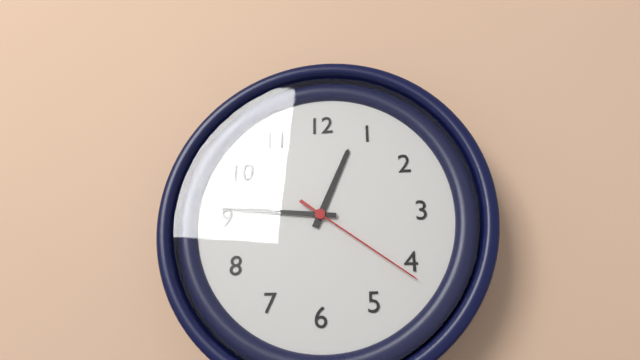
12,46,21
